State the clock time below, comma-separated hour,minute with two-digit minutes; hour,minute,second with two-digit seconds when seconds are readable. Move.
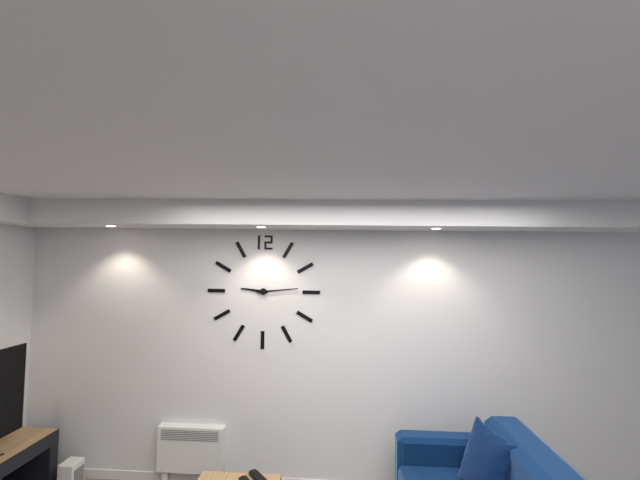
9,14
